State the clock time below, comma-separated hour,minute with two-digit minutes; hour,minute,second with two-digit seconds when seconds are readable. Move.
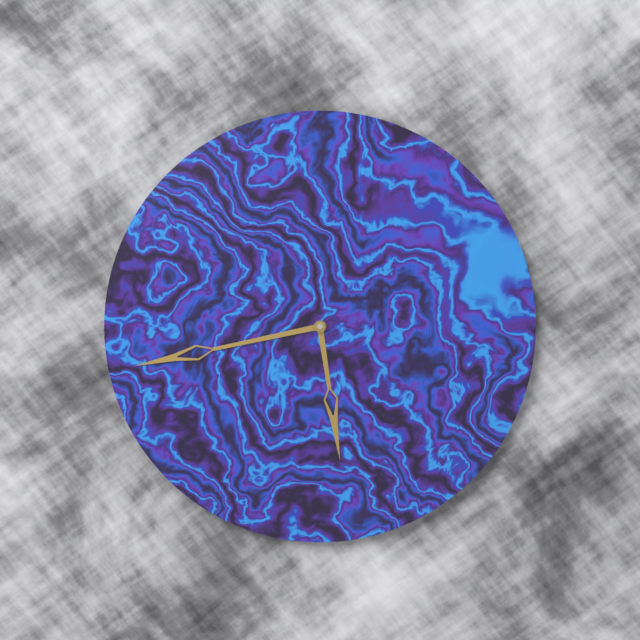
5,43
